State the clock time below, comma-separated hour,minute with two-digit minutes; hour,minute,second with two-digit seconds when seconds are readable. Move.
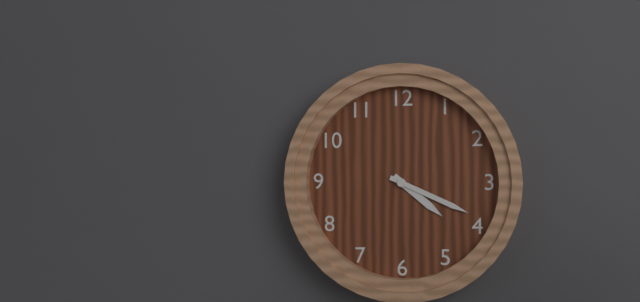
4,19
